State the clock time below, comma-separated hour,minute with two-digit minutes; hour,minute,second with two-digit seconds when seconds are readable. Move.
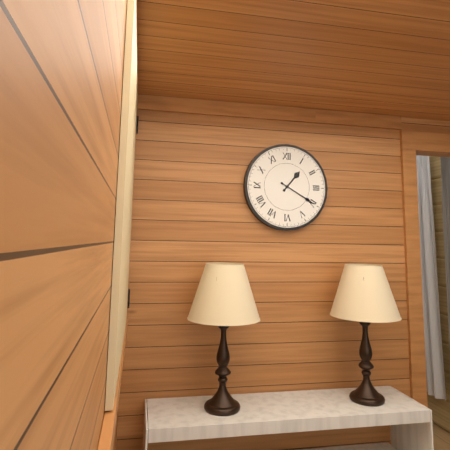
1,20
